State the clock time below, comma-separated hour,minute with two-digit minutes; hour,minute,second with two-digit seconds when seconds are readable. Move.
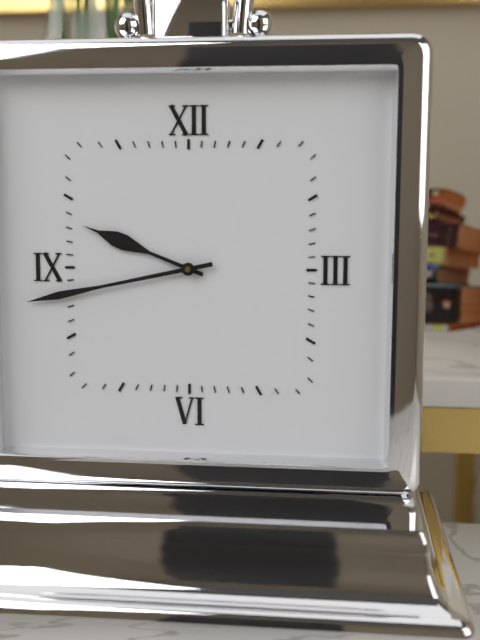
9,43
